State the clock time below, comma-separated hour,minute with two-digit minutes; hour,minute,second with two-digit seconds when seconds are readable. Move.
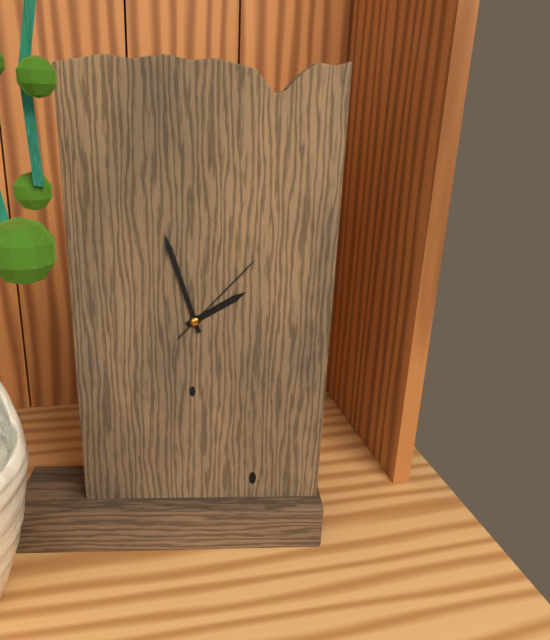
1,57,07
